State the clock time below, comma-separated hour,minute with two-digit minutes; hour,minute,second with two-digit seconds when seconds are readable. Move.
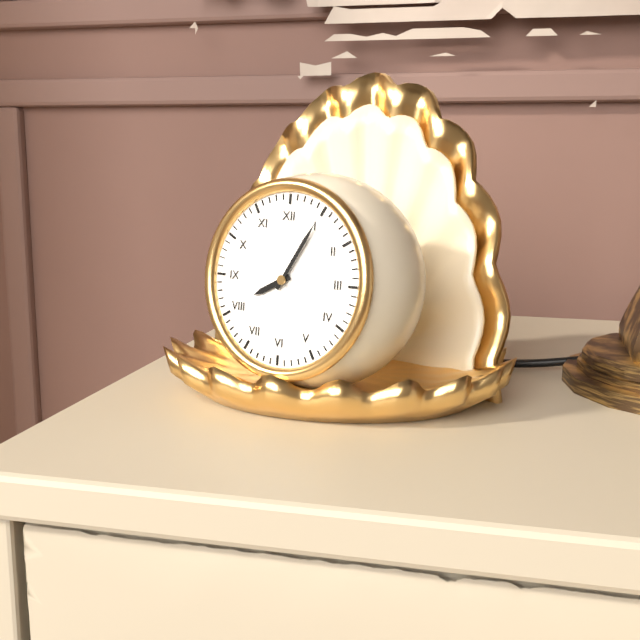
8,05
